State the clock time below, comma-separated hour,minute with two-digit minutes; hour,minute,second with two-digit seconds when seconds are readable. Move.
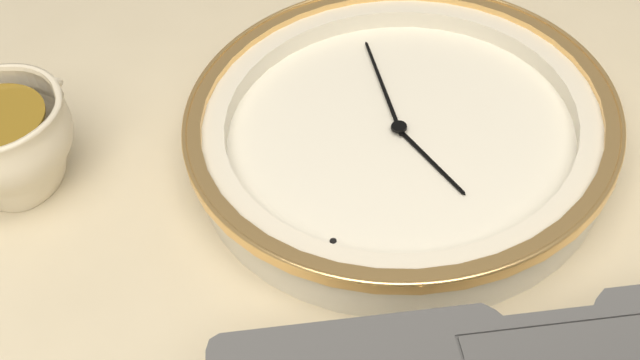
9,20
